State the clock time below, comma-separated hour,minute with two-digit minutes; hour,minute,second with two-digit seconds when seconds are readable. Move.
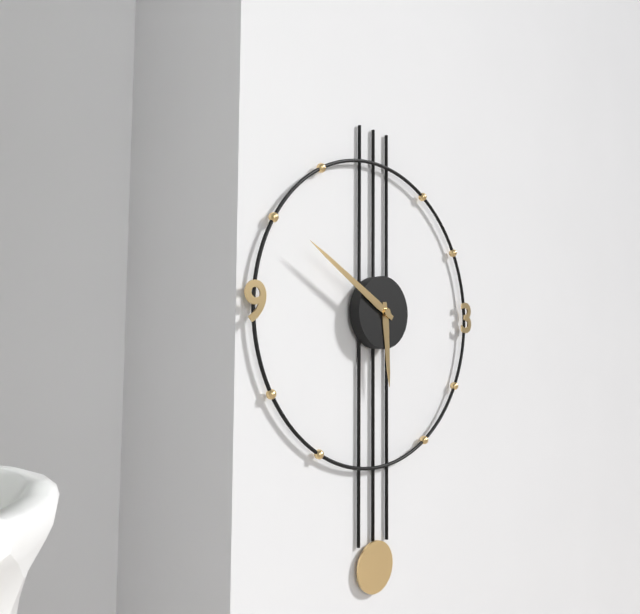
5,50
